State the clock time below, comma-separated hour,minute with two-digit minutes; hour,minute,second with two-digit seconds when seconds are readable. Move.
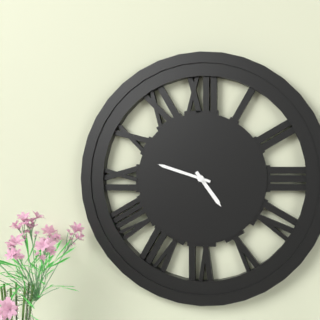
4,48
